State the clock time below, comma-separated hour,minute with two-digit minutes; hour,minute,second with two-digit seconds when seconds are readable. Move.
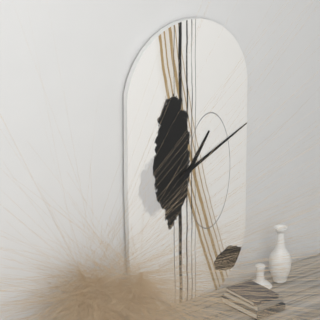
1,11
